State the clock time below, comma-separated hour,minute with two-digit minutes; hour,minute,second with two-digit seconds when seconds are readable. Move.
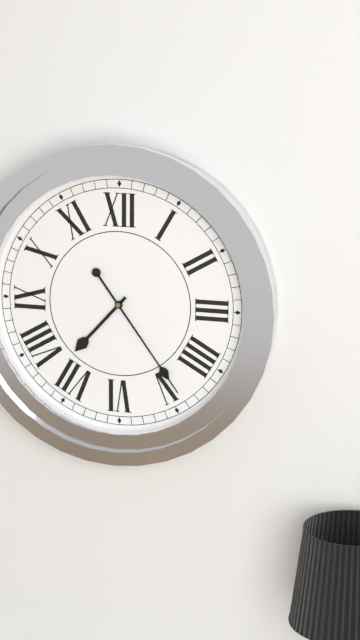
7,24
